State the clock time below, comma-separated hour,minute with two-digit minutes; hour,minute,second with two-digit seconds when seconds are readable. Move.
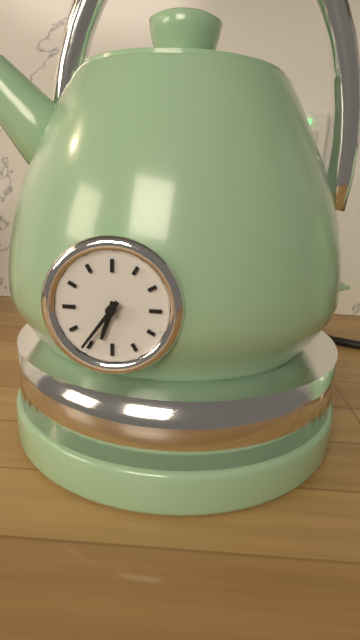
6,36
